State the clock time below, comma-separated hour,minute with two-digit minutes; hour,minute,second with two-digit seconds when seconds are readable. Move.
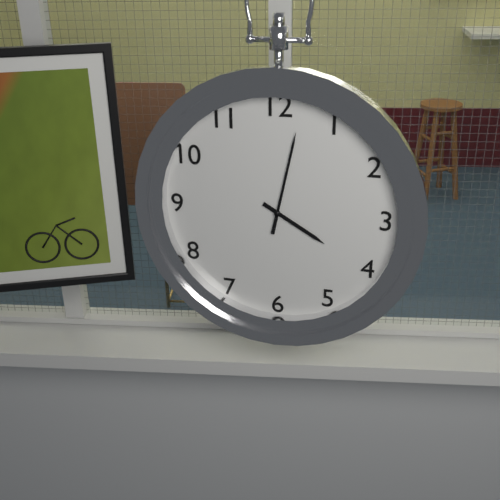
4,02
